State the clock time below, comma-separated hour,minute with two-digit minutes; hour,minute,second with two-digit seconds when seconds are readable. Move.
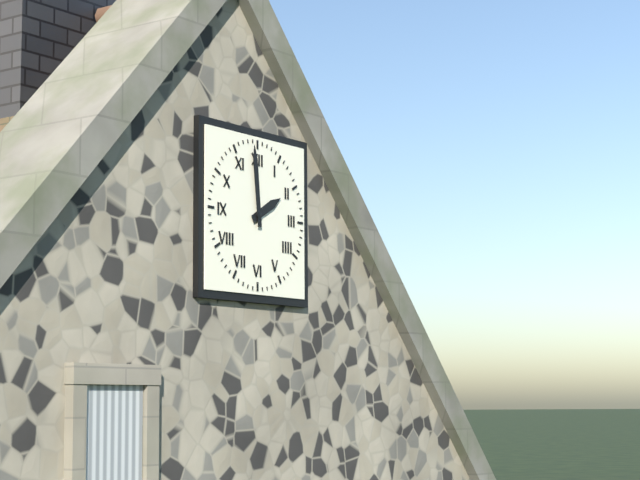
1,59
